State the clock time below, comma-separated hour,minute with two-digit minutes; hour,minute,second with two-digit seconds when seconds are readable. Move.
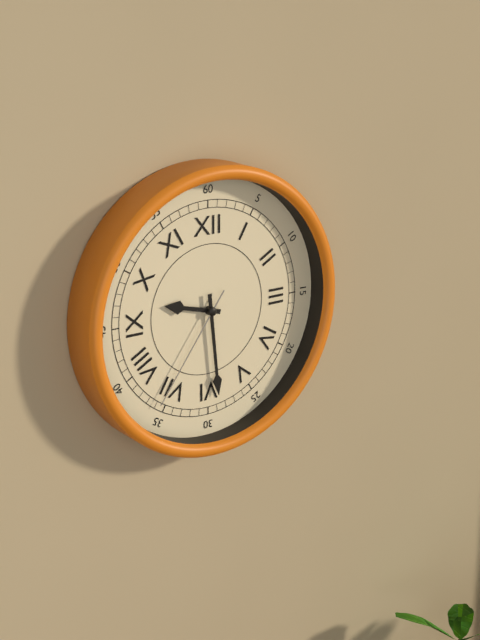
9,29,36
